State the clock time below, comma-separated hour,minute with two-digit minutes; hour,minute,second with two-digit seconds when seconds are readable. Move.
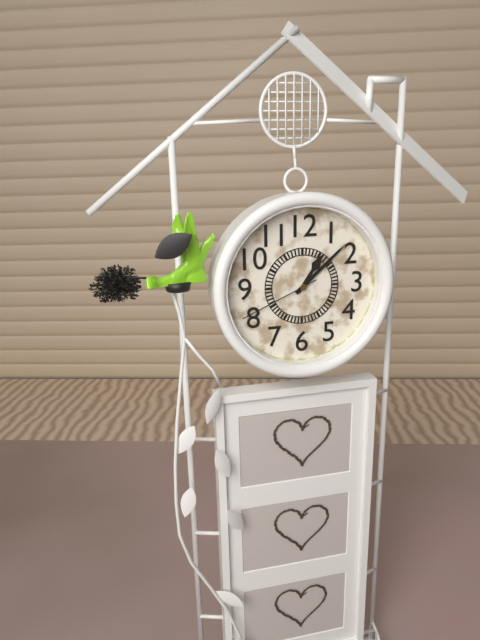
1,08,41
